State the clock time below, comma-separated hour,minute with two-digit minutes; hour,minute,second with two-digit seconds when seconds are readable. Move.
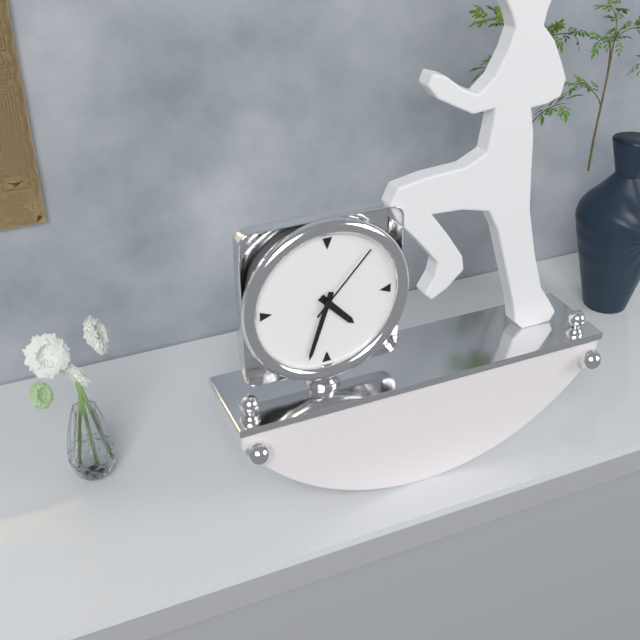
4,33,07
